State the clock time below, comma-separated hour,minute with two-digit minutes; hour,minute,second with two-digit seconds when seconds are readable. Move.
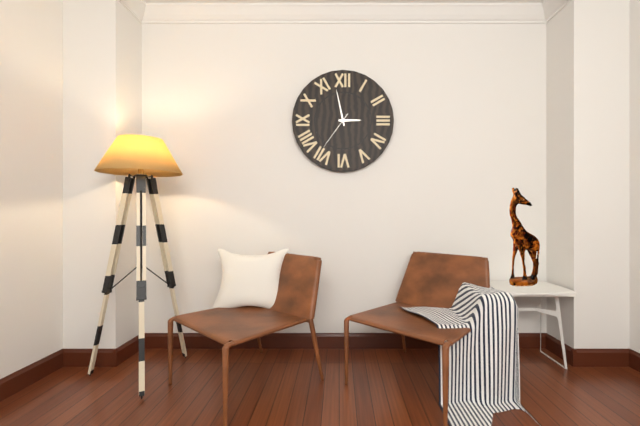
2,58
